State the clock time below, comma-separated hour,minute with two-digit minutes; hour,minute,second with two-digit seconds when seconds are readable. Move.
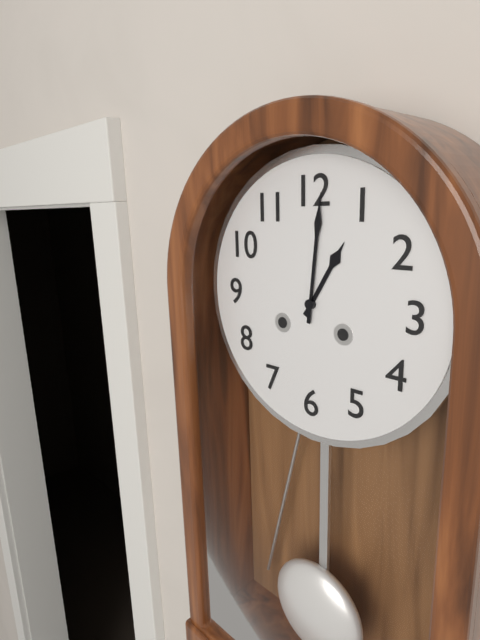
1,01
